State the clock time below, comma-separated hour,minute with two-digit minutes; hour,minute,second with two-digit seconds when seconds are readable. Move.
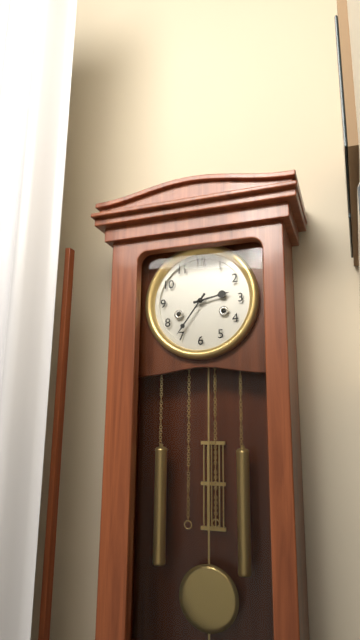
2,36
